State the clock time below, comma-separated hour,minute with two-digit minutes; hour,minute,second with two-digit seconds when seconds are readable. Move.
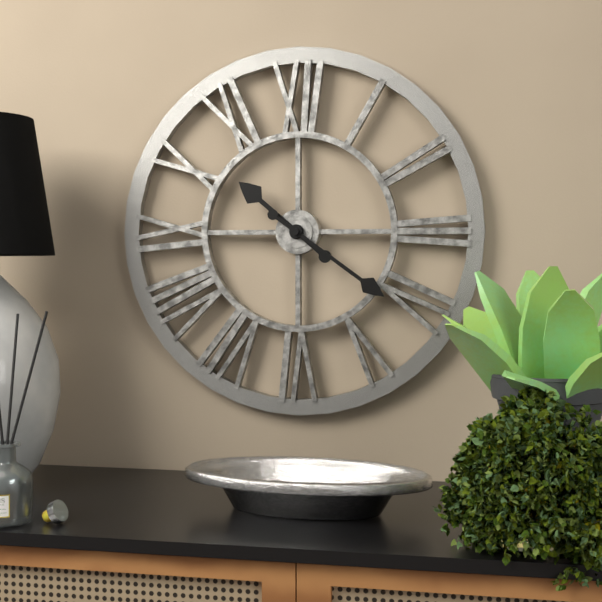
10,21
